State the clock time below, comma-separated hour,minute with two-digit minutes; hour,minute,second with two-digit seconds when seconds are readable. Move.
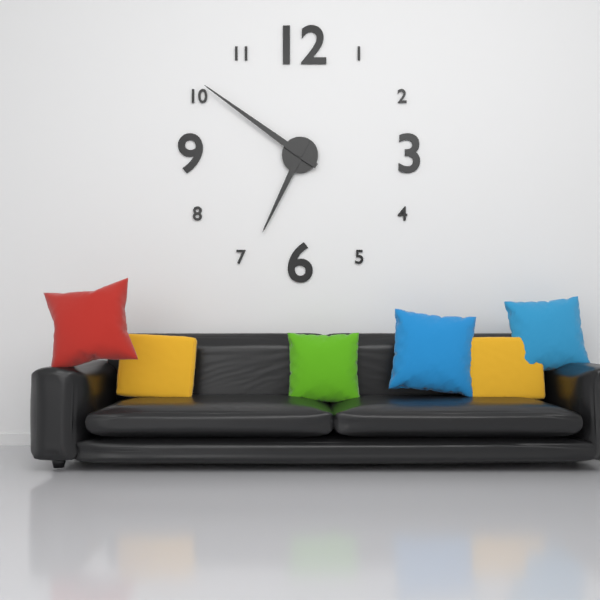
6,51
